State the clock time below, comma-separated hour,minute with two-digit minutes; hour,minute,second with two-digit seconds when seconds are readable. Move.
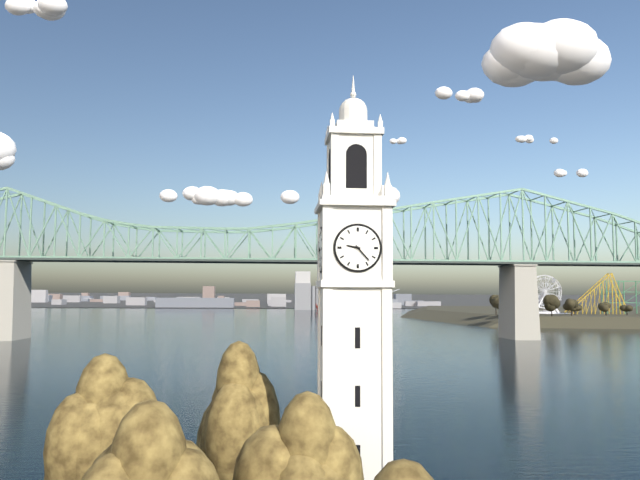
9,23
